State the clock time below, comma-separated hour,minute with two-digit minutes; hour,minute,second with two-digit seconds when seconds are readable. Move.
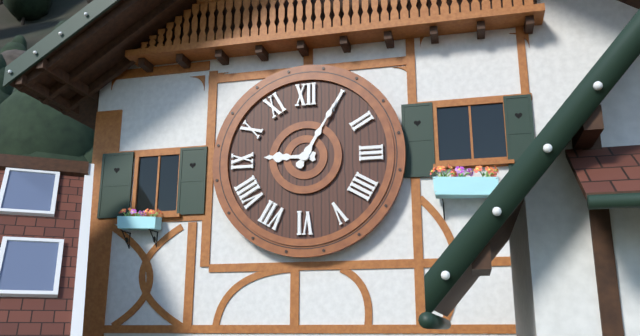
9,05
